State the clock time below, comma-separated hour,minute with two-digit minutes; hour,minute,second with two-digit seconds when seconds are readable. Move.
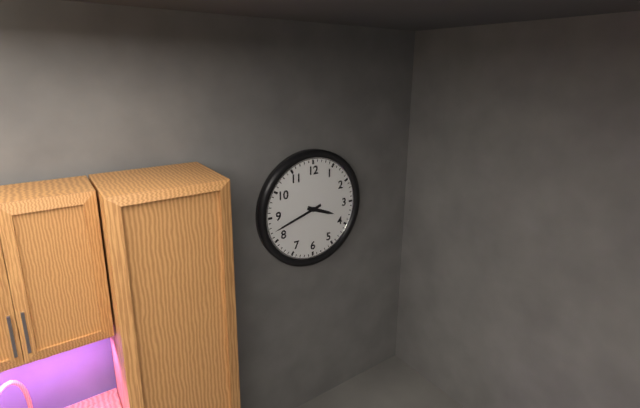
3,42
